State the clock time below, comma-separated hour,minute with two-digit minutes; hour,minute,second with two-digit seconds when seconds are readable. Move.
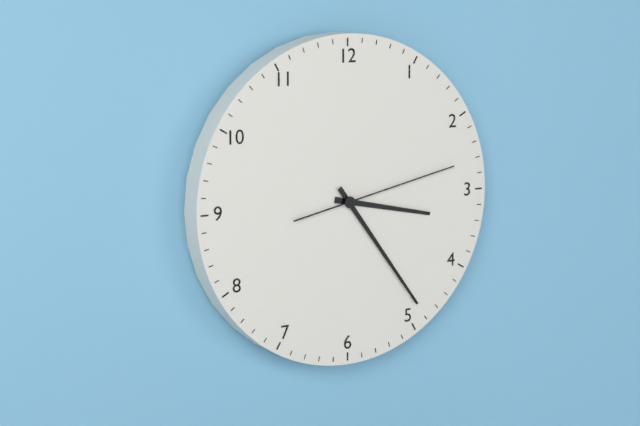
3,24,13
